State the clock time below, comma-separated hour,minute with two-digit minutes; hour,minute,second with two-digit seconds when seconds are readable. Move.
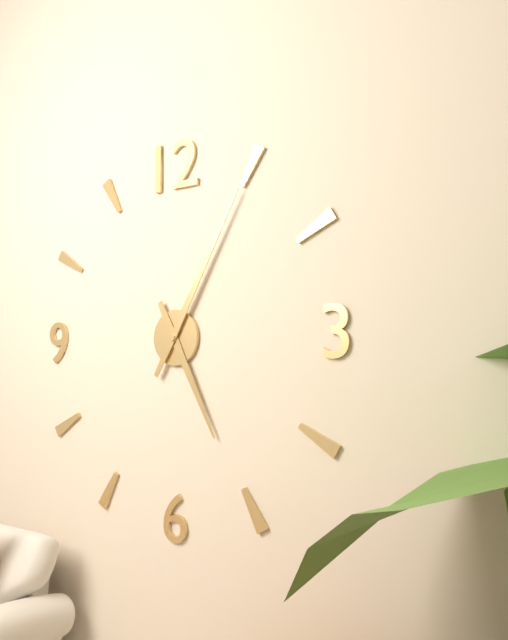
5,05
